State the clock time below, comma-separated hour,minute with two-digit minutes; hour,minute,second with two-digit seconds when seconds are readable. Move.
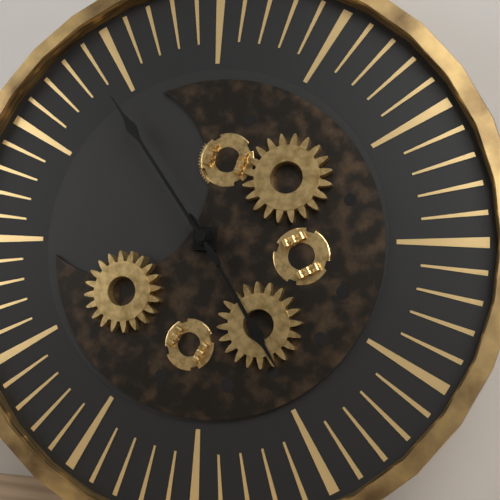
4,54
